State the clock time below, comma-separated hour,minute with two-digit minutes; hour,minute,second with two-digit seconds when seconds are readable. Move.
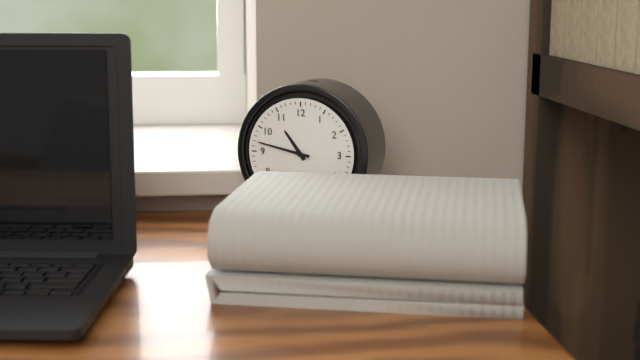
10,47
